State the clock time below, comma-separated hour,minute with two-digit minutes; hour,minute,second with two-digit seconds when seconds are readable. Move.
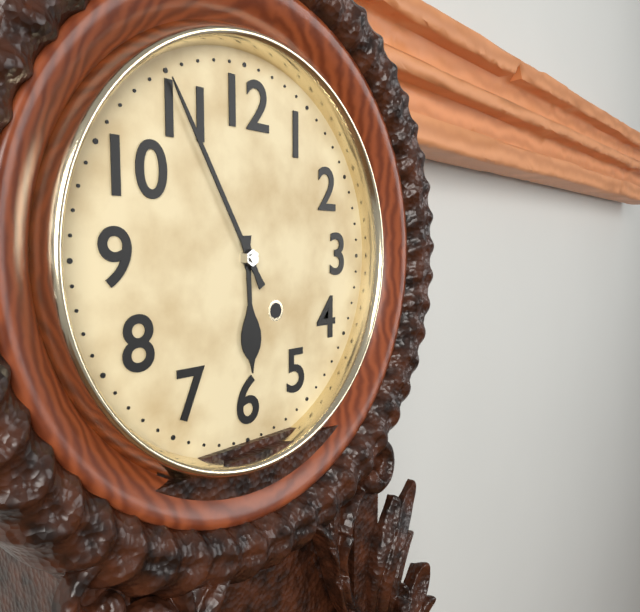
5,55
